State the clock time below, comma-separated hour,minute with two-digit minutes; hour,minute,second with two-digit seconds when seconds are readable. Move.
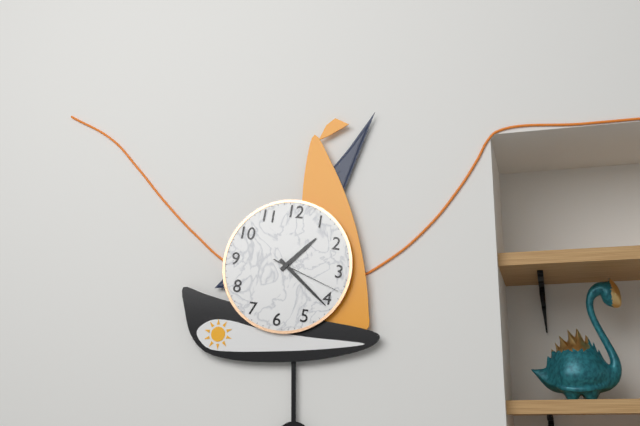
1,21,18
